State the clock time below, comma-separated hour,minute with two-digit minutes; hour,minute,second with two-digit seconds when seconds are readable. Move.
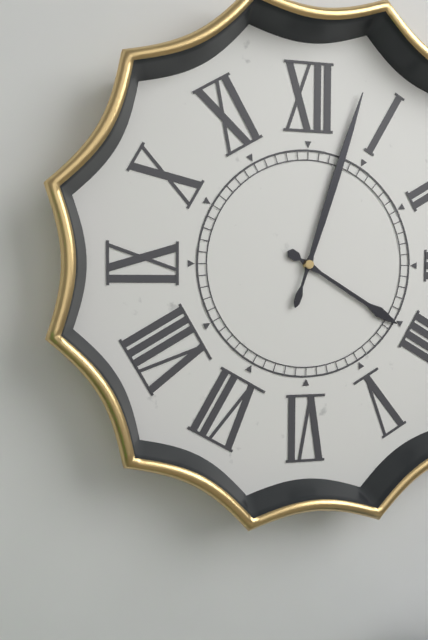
4,03
